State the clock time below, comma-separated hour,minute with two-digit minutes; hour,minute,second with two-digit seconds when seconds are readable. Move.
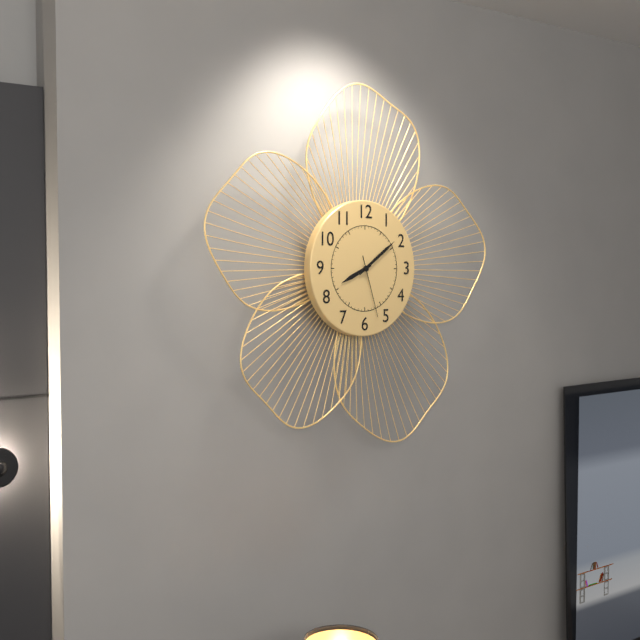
8,09,27
